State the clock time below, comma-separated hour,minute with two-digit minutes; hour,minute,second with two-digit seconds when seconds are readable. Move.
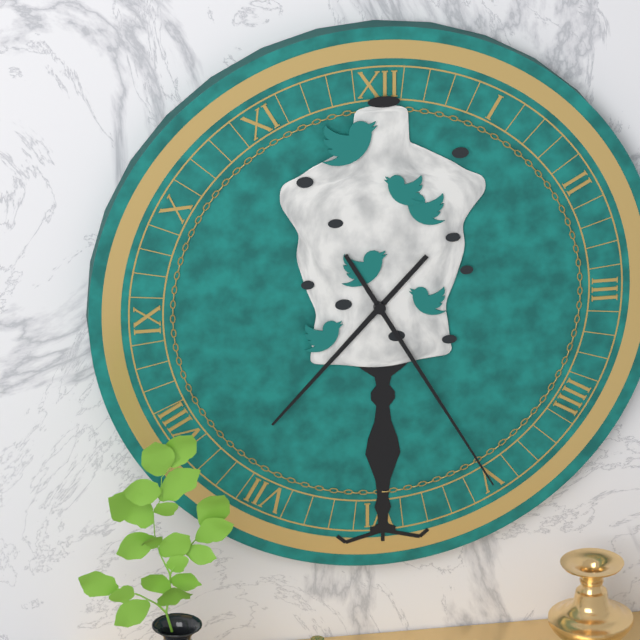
7,25
